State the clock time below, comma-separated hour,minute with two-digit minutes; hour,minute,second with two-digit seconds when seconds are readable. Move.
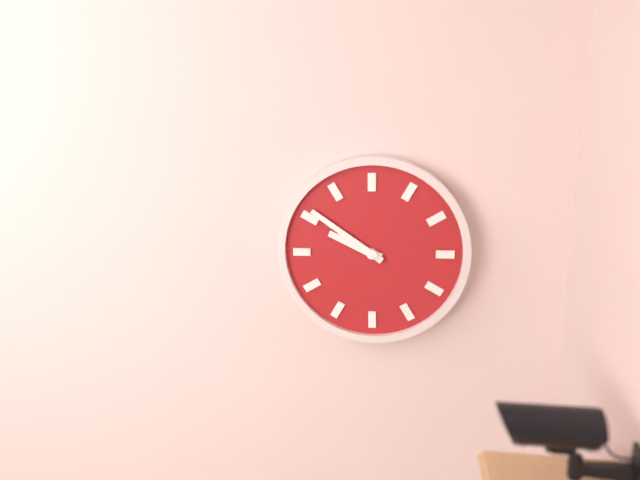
9,51
